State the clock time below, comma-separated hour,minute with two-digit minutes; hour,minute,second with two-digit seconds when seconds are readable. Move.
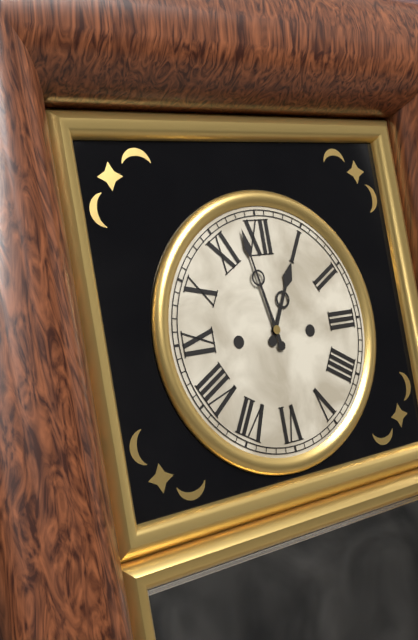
12,58
